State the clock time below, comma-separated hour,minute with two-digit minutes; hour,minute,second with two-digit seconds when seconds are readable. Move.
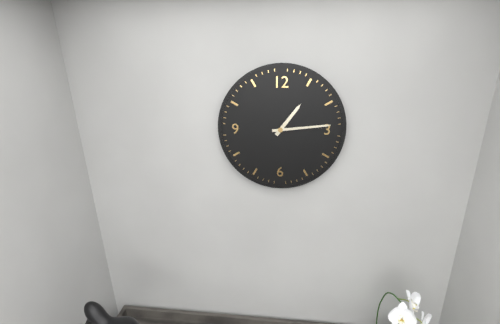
1,14
